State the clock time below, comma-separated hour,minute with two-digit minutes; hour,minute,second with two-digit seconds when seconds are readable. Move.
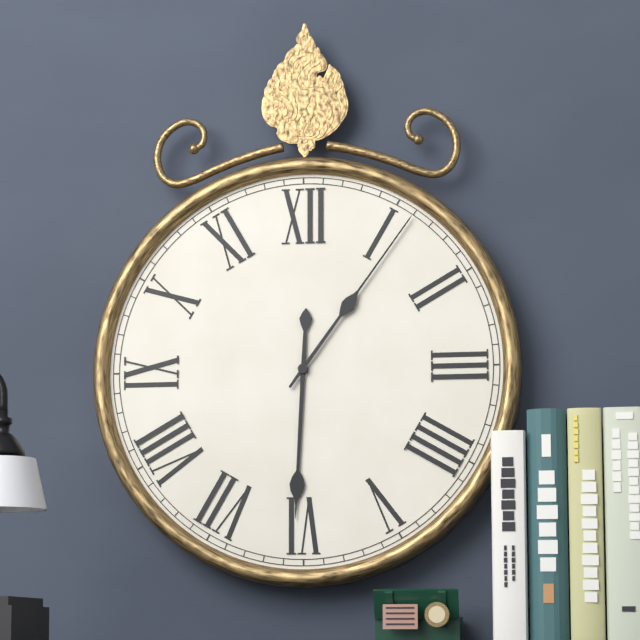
6,06
